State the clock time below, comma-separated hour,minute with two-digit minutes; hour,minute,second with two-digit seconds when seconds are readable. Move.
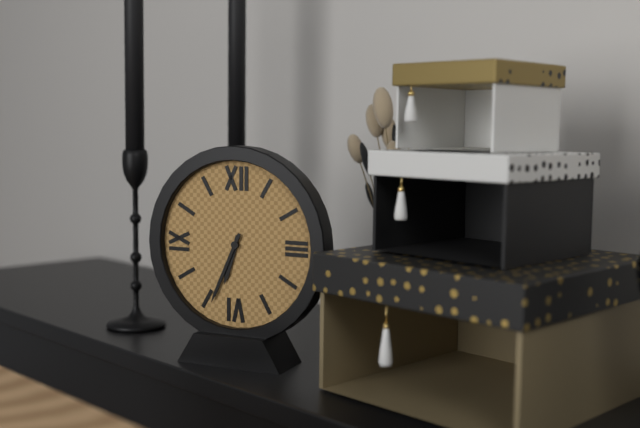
6,34
